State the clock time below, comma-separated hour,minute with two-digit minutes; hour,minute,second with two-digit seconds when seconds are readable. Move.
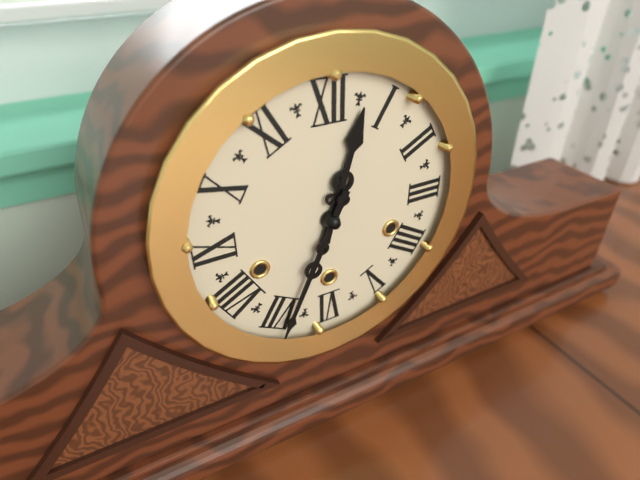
12,34
